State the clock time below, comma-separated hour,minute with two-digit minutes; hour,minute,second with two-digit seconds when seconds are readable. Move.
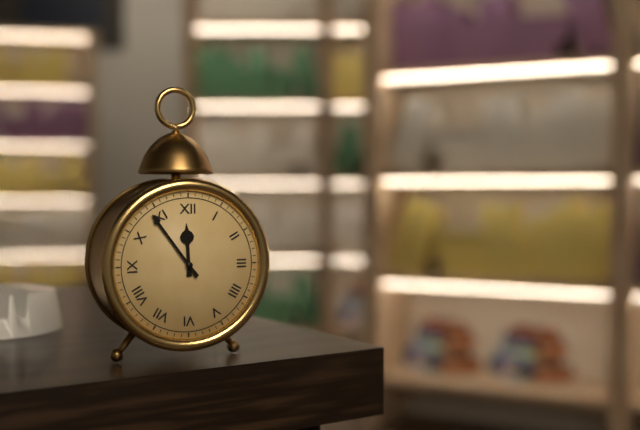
11,54
